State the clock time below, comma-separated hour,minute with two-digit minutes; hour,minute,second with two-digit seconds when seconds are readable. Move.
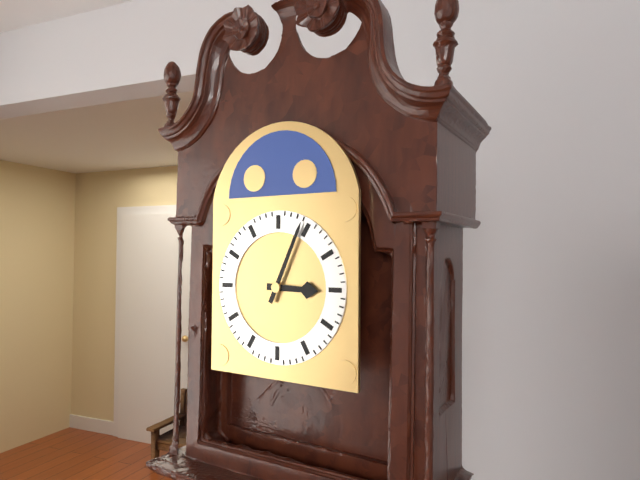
3,04
